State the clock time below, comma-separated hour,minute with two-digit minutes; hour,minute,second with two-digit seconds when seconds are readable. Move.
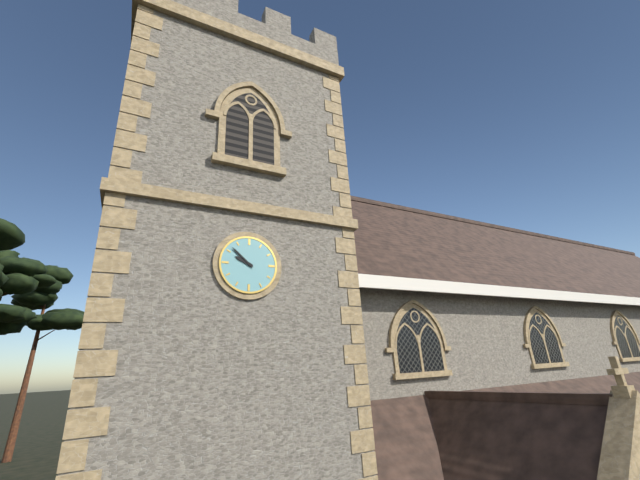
9,52
